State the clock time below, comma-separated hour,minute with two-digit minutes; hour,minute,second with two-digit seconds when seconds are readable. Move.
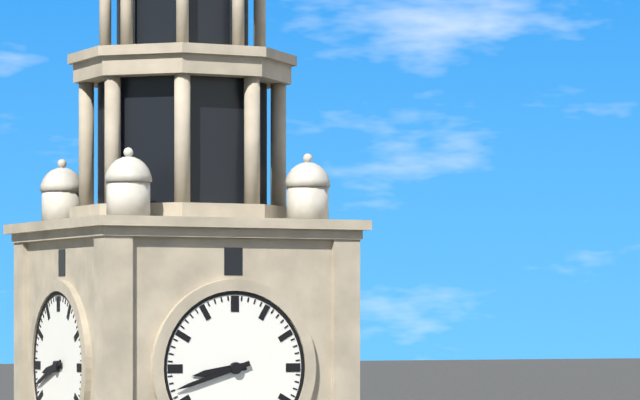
8,42
